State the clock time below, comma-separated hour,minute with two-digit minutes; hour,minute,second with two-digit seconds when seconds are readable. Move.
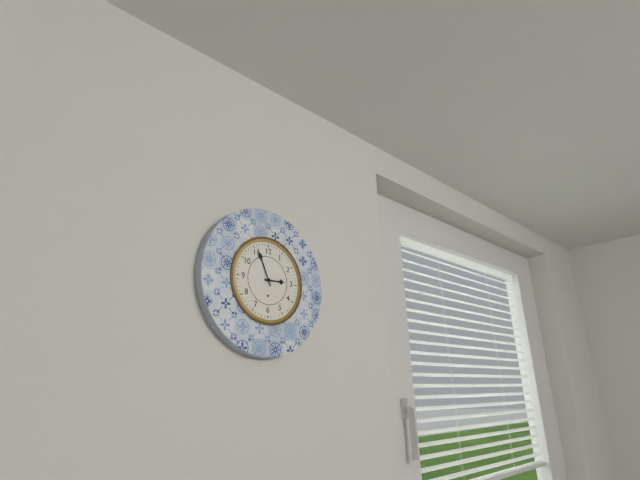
2,56
